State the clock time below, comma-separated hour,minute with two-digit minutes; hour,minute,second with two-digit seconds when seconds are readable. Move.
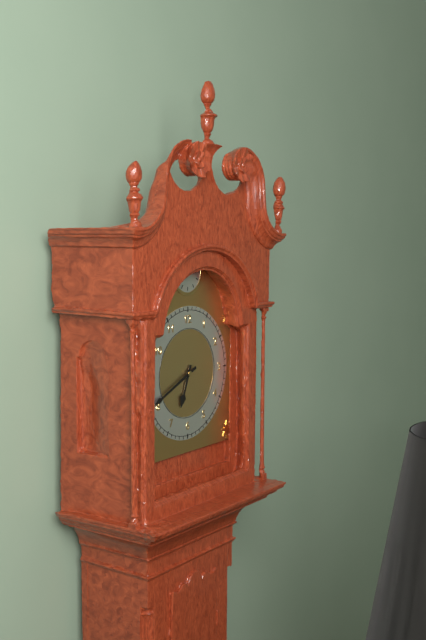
6,41
